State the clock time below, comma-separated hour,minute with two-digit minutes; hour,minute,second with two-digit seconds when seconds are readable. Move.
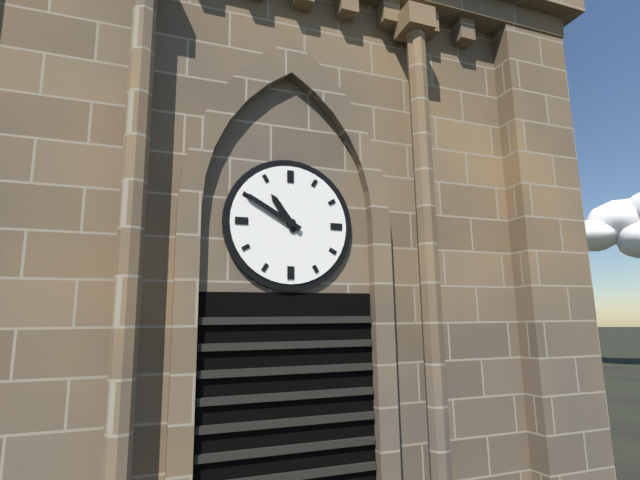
10,50
